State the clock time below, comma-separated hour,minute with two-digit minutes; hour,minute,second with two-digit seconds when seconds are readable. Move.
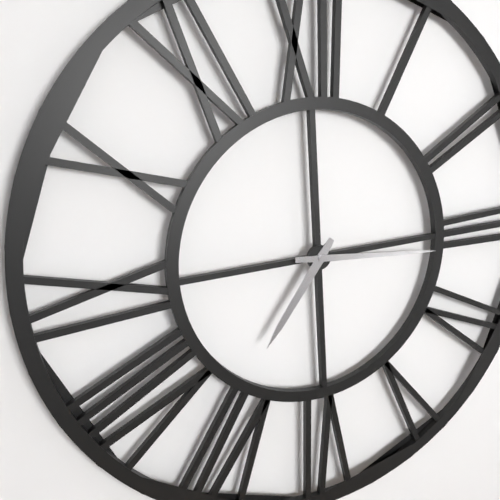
7,16
